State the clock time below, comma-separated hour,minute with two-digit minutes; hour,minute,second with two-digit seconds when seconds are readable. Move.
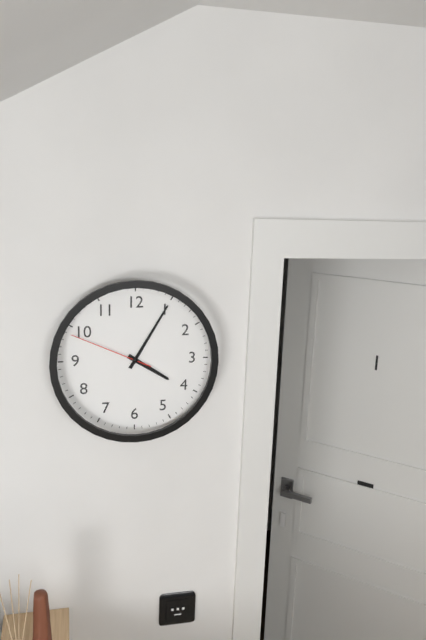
4,05,49
